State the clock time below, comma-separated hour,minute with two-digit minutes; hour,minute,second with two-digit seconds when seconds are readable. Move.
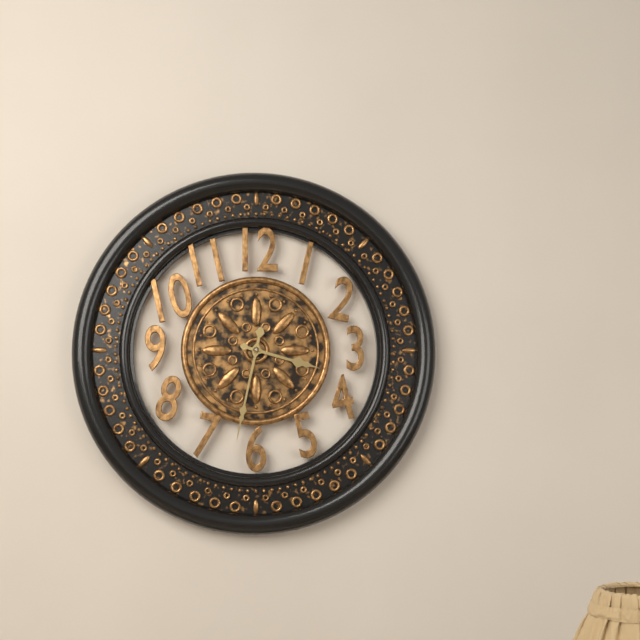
3,32
